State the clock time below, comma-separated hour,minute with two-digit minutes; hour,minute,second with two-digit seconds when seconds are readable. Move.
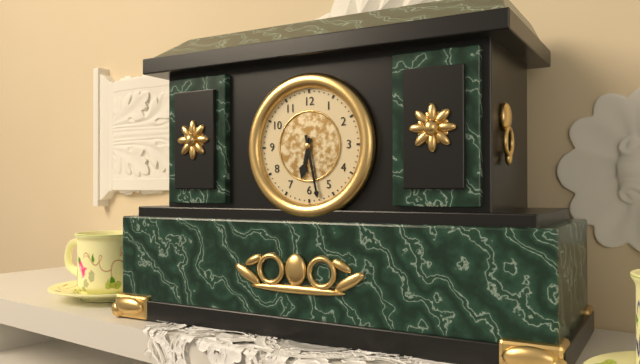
6,28
